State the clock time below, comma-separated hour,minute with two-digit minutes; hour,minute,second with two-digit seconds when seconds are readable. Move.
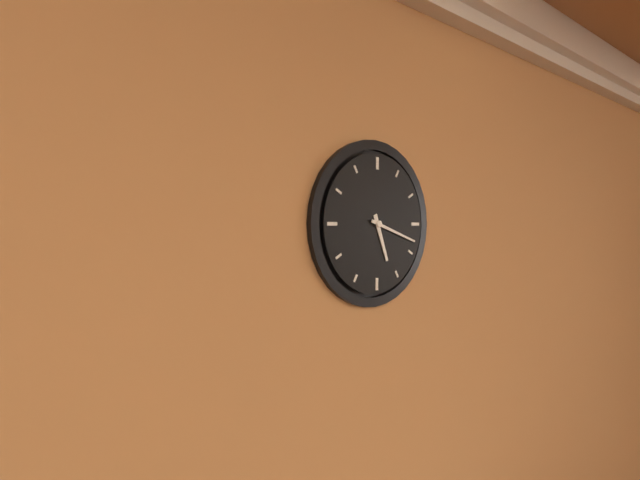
5,18
